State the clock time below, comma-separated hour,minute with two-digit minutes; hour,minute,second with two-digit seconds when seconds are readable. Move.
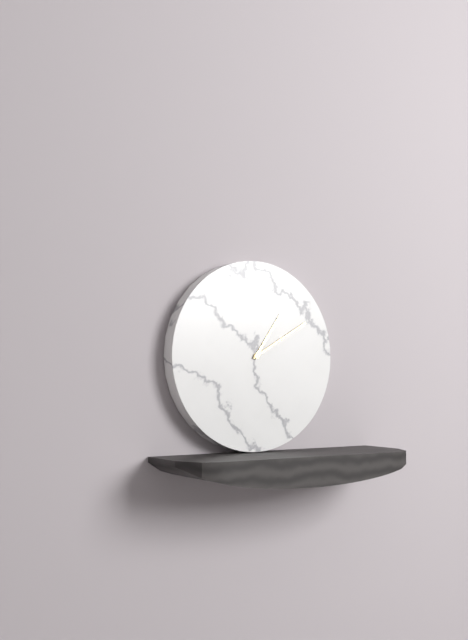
1,10
